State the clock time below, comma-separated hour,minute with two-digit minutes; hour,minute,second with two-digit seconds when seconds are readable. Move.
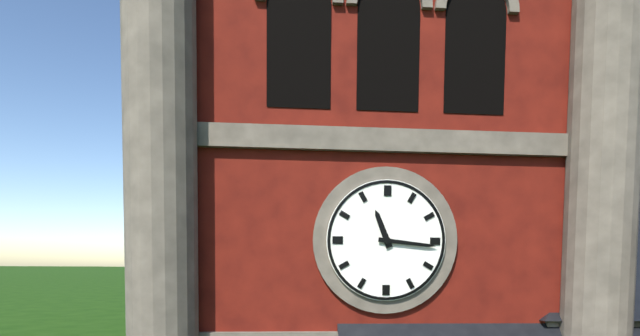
11,16
